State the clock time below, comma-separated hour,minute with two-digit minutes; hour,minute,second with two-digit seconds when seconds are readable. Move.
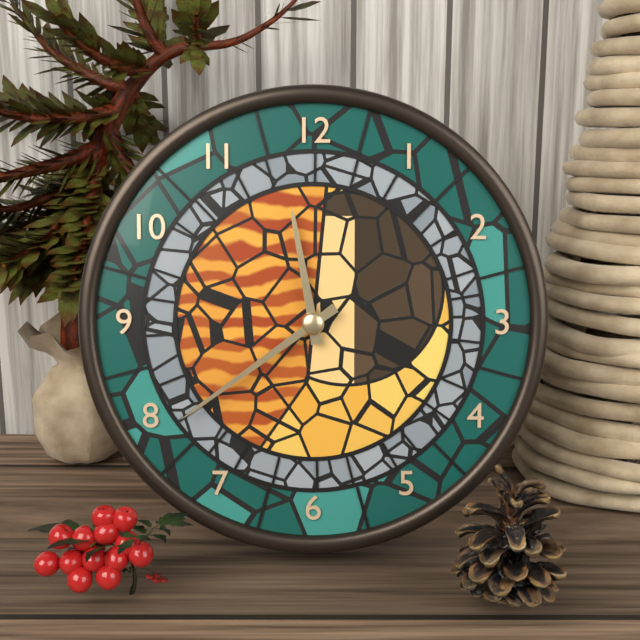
11,39
